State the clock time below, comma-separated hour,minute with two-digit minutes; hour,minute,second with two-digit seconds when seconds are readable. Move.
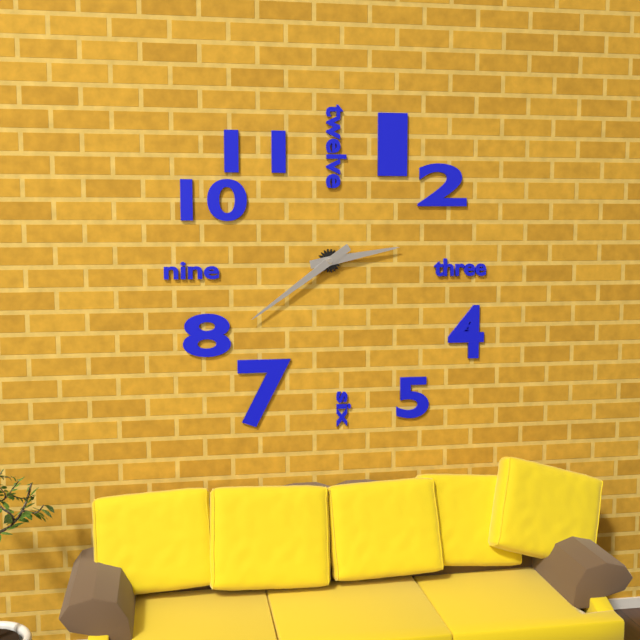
2,39
